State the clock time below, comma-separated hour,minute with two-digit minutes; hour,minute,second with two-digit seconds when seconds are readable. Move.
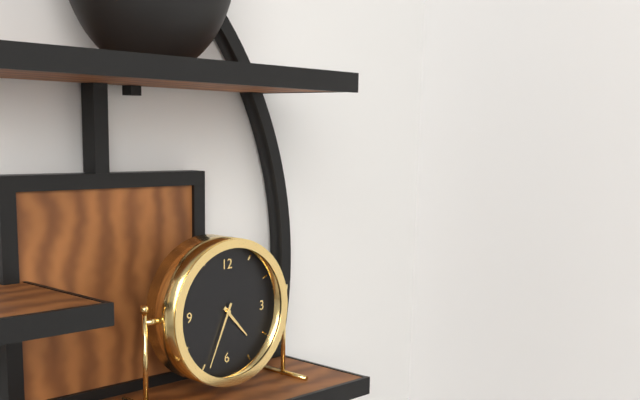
4,34
